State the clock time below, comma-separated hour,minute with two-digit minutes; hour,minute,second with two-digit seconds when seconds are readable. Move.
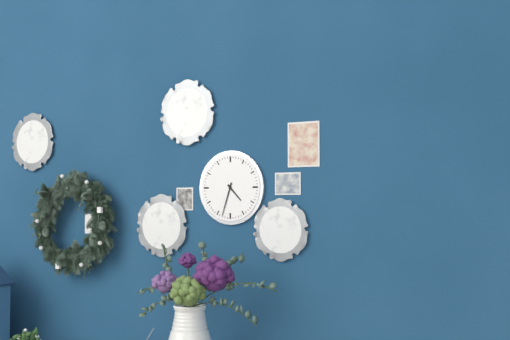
4,33
